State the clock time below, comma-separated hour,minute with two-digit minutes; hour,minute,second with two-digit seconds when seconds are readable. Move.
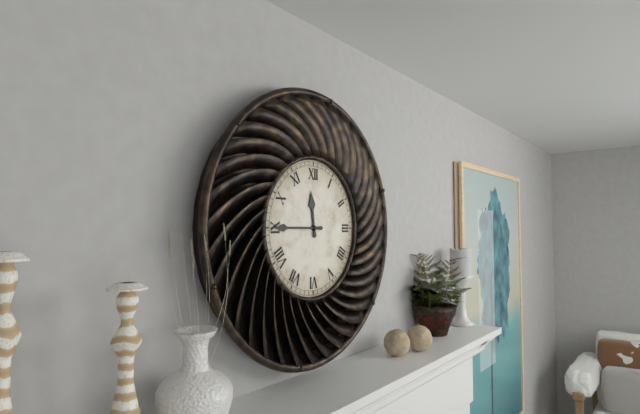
11,45
